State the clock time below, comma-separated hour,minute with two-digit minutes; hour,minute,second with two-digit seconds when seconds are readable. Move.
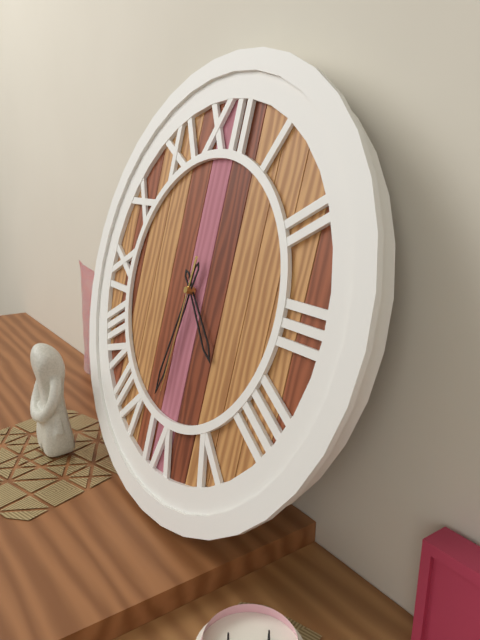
4,32,31
